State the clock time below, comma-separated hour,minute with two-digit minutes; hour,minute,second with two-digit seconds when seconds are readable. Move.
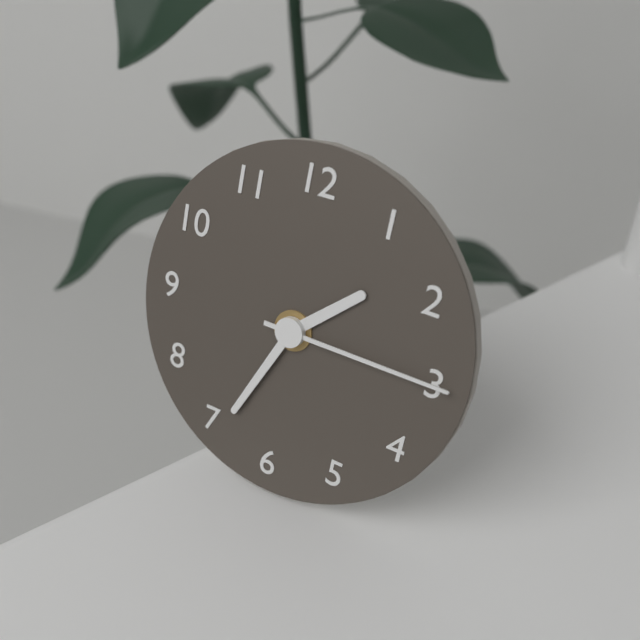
1,34,15
